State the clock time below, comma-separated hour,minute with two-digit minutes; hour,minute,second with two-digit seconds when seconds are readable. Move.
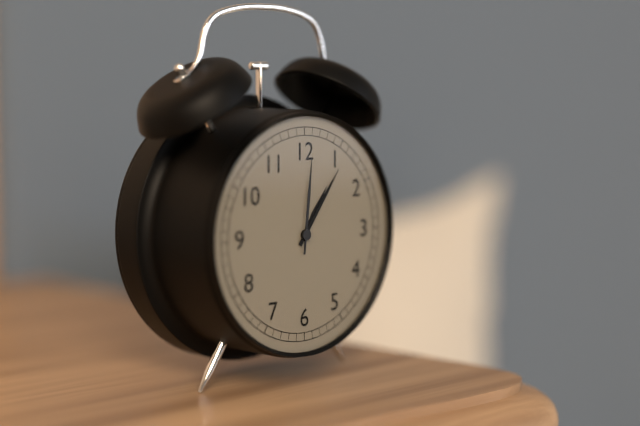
1,06,01
